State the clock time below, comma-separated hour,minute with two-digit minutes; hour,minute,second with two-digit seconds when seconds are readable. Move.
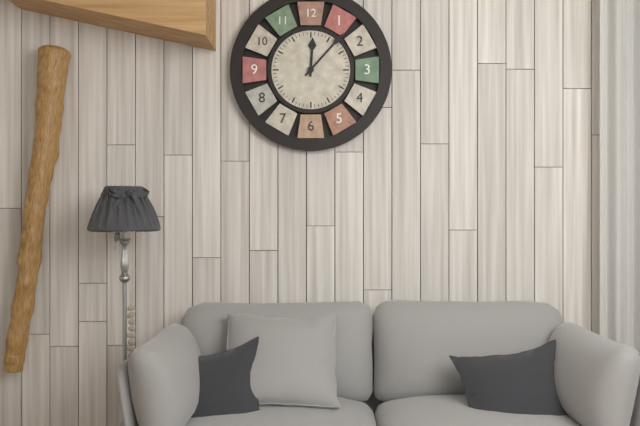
12,07
